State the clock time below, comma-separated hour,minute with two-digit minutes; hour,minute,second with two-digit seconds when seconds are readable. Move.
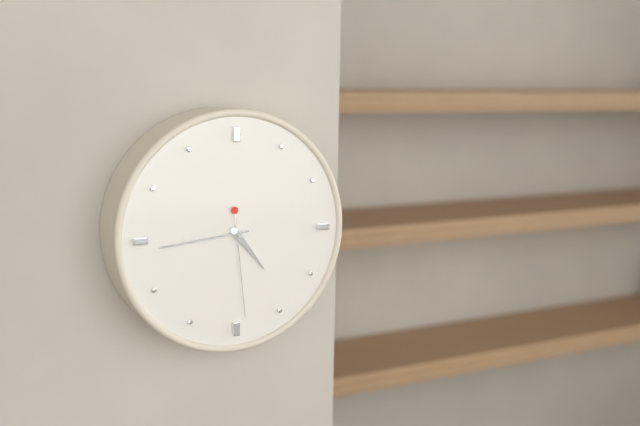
4,44,29
